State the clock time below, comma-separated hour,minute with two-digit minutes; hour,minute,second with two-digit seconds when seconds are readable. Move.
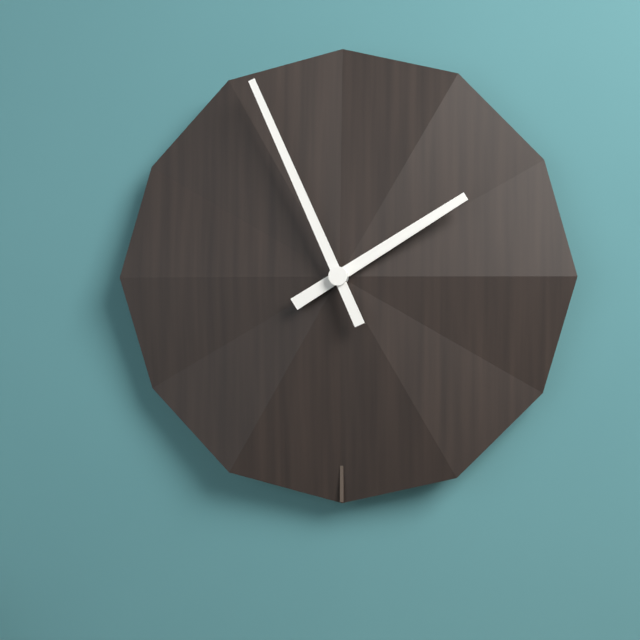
1,56
